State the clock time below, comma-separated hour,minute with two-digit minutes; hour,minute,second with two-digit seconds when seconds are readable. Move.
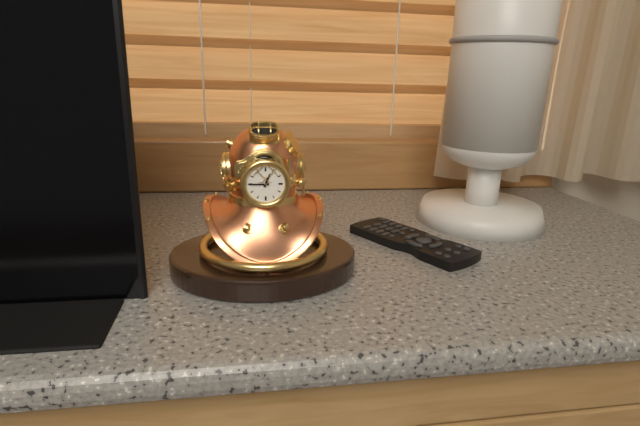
12,45
